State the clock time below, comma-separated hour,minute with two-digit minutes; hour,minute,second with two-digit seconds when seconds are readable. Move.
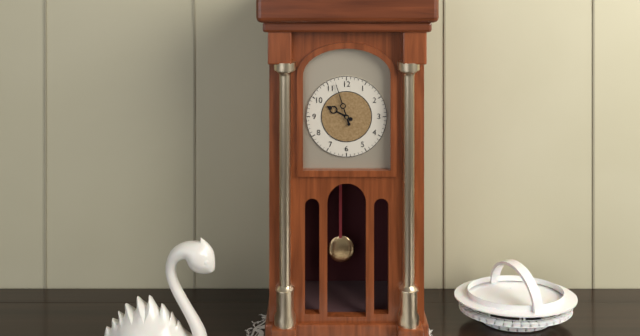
9,57
